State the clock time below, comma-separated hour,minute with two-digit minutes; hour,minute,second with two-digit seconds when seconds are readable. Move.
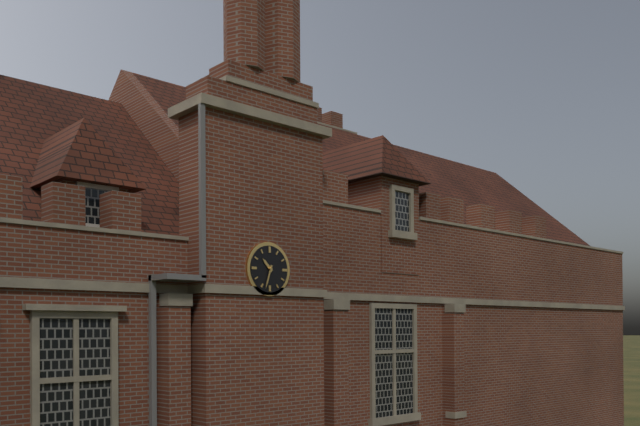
10,33
